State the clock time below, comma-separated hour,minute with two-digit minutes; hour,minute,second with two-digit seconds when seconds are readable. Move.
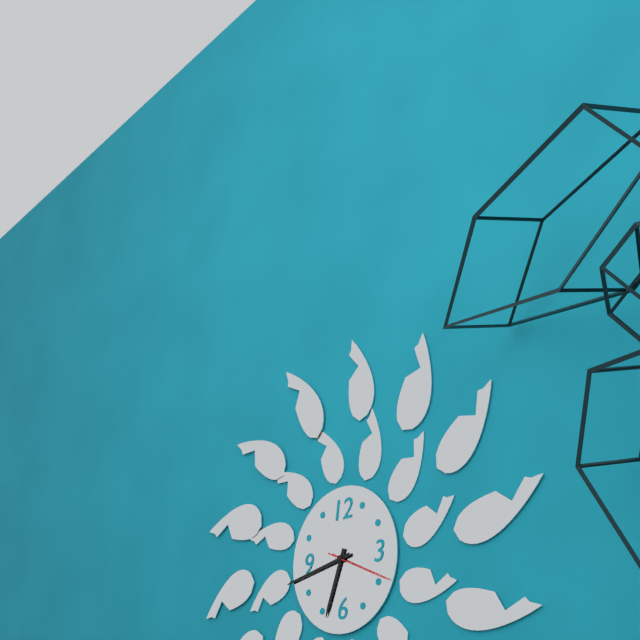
6,43,19
